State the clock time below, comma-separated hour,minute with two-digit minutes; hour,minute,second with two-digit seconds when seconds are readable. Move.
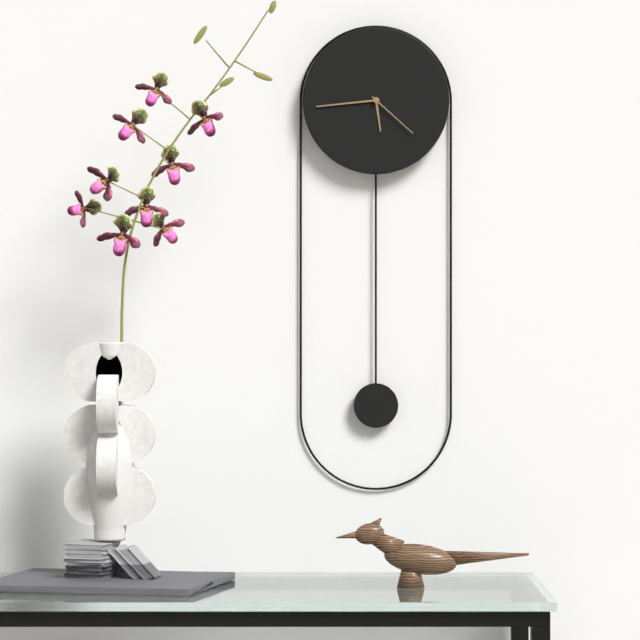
5,44,22
